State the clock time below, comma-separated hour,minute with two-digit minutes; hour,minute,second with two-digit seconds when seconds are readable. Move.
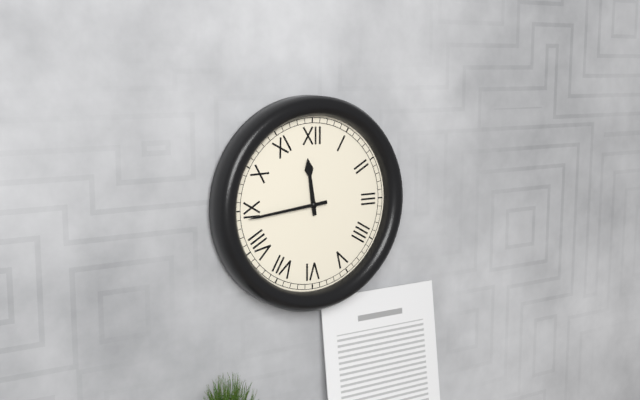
11,44
